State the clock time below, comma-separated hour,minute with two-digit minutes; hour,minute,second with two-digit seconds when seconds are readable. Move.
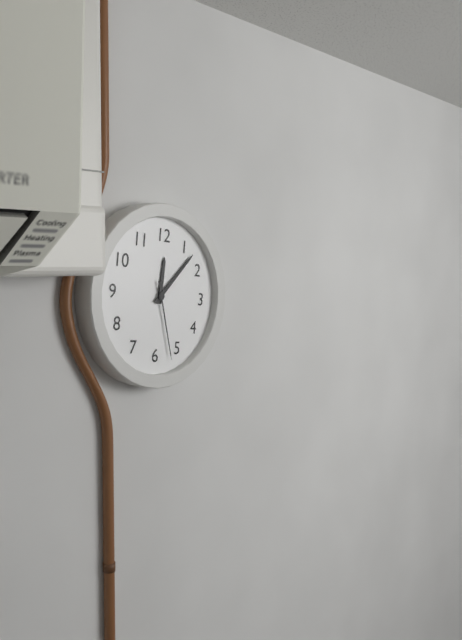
12,07,27
